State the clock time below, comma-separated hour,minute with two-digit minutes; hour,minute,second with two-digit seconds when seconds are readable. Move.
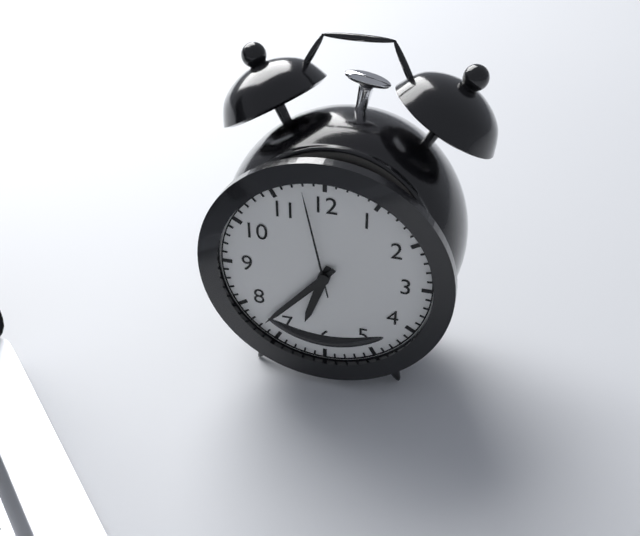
6,37,58
